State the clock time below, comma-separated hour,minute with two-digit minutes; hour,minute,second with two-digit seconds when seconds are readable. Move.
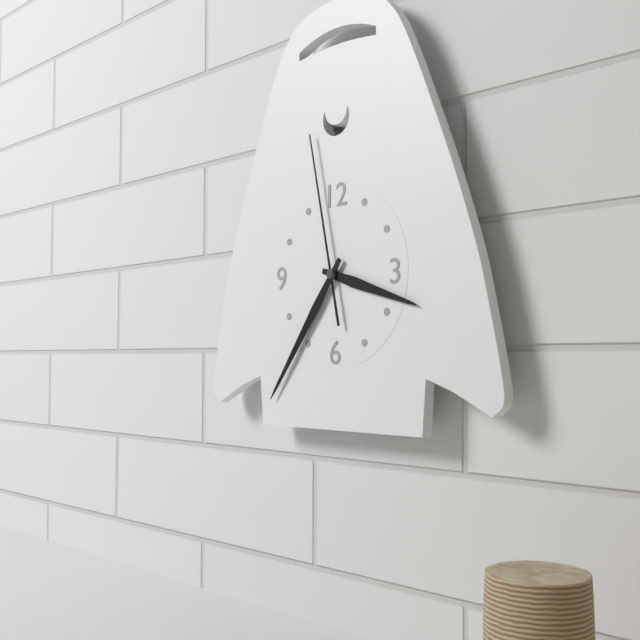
3,36,58
